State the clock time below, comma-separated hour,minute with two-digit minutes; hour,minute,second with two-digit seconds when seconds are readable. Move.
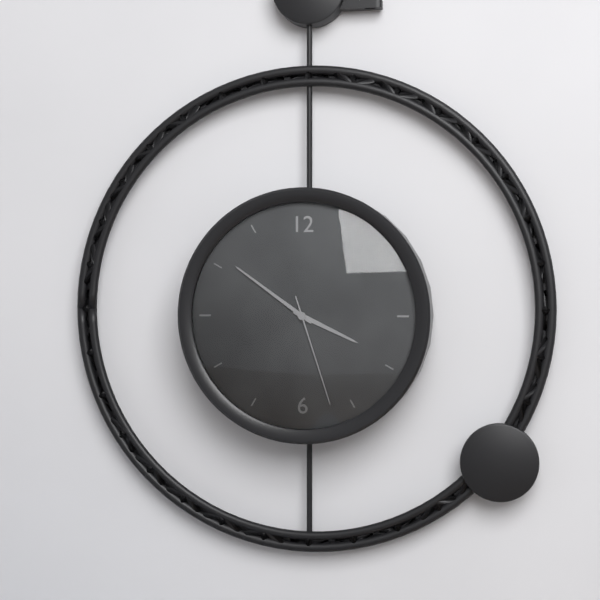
3,51,27
